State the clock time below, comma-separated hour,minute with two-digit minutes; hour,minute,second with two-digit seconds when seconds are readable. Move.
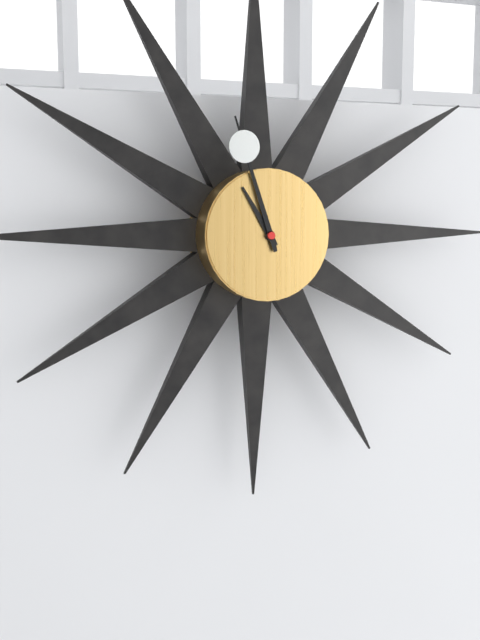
10,57
